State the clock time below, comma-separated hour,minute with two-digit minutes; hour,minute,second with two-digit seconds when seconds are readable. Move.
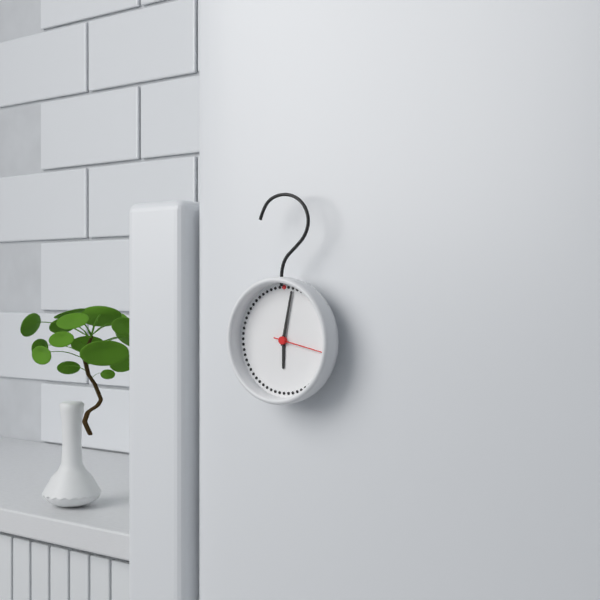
6,02,17
